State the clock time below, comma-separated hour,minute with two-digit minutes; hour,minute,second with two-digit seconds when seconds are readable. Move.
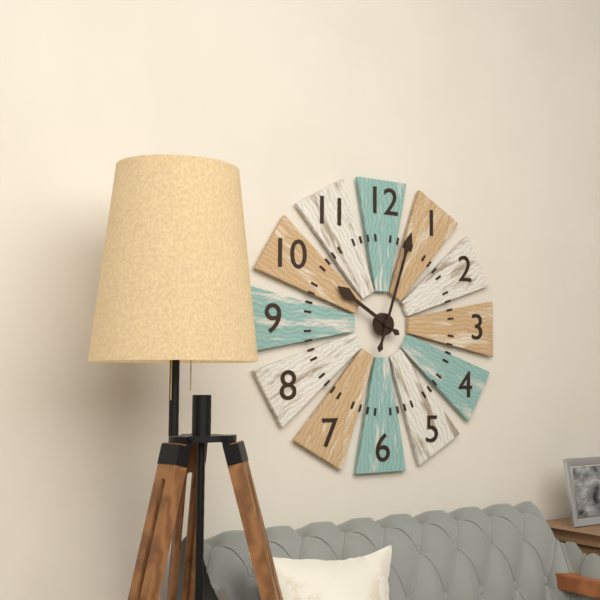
10,03
